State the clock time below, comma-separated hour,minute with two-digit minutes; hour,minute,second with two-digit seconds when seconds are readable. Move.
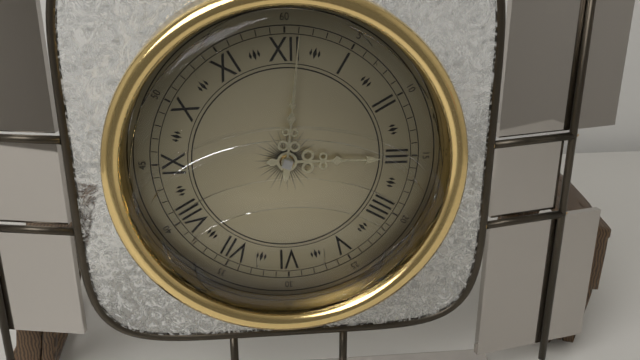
3,01
